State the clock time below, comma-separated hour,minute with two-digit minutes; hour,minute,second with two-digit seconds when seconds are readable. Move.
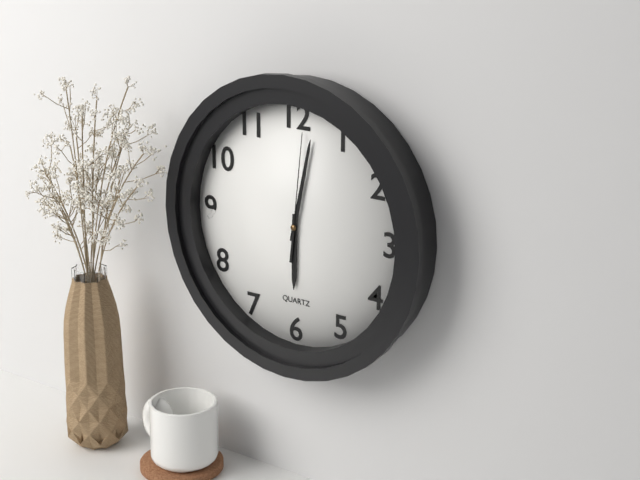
6,02,01
